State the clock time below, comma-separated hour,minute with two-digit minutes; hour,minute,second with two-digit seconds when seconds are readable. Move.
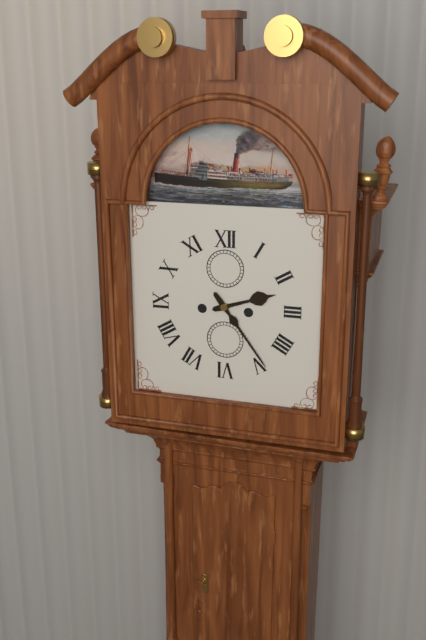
2,24
